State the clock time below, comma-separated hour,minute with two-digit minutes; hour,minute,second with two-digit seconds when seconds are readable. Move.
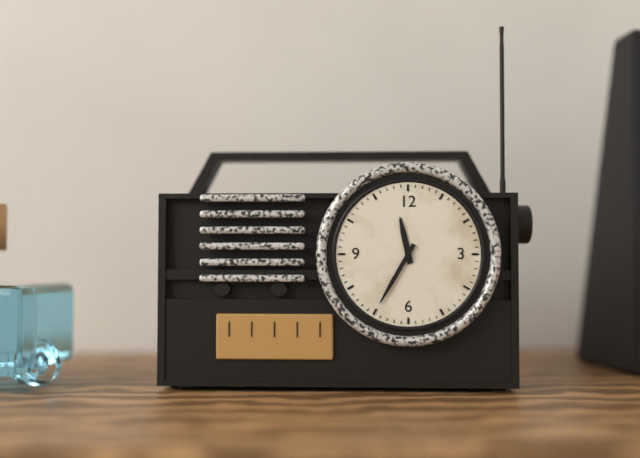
11,35
